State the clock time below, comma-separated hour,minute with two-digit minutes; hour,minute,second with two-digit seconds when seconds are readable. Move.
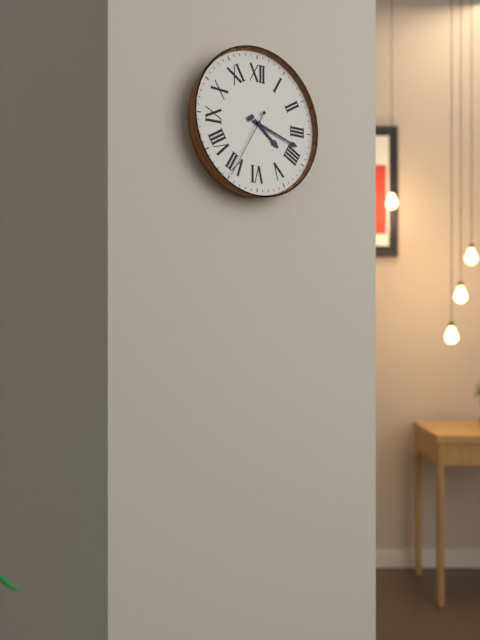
4,18,35
